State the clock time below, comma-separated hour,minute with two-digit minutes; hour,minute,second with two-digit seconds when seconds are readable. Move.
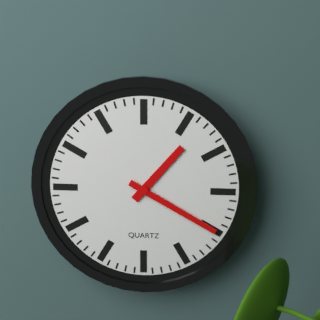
1,20
